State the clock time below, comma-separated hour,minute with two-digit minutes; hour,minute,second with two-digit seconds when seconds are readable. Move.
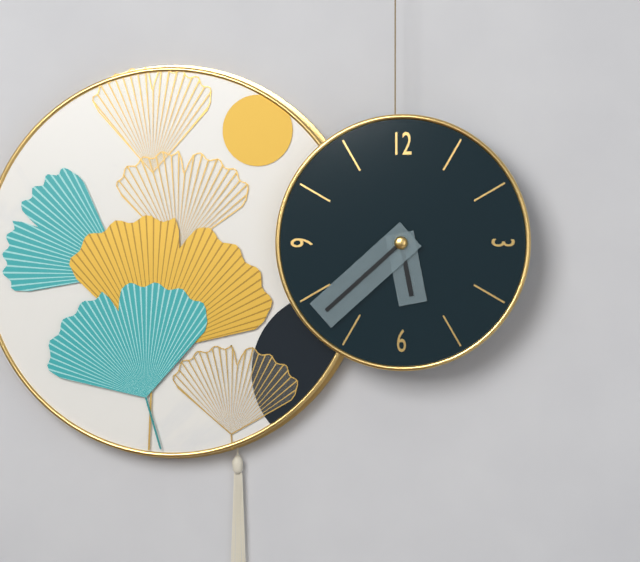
5,38
